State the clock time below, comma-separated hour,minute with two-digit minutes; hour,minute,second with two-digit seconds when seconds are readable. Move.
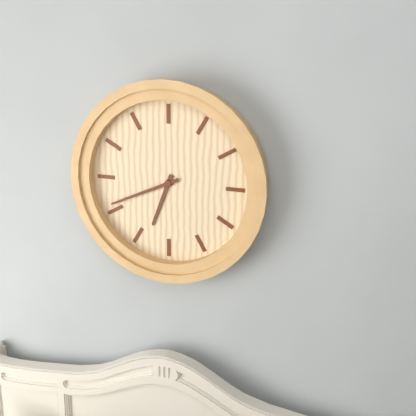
6,41
